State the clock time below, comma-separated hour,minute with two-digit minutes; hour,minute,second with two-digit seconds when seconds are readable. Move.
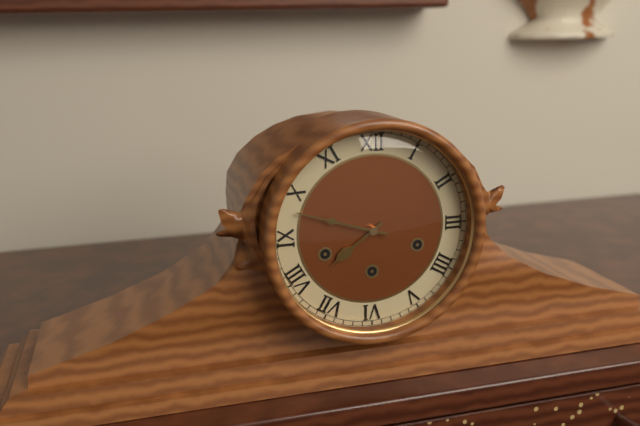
7,48
